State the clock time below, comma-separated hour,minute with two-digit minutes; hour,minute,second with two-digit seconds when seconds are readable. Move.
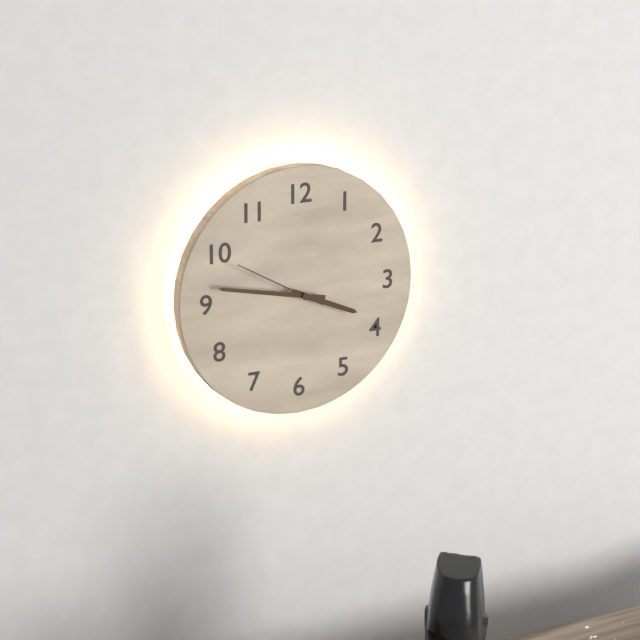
3,47,50
